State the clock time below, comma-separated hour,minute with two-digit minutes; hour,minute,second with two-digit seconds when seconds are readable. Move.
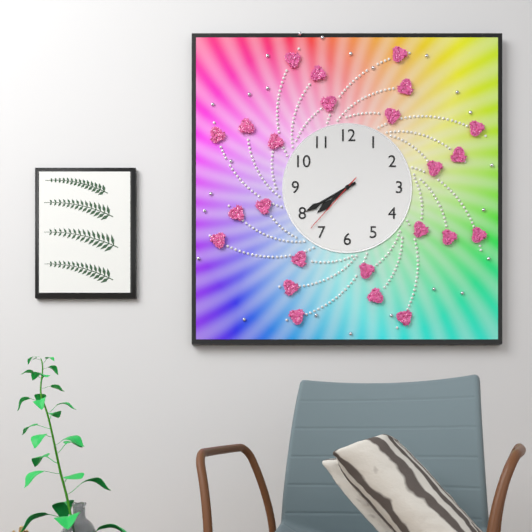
7,40,37
